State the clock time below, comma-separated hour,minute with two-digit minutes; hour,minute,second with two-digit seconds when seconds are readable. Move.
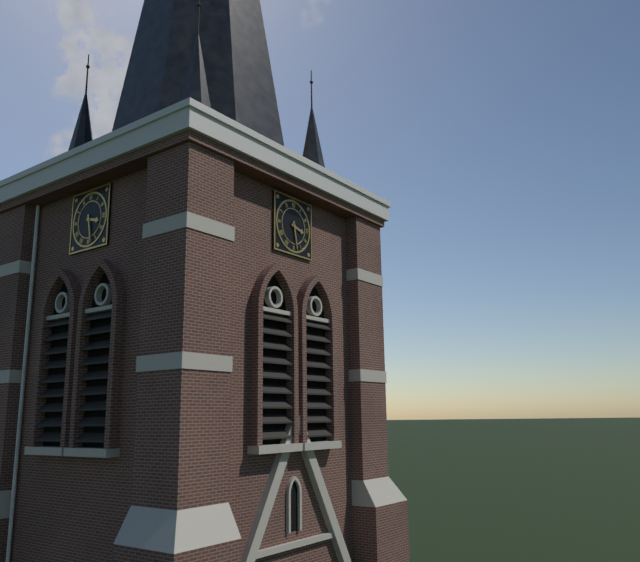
3,28
